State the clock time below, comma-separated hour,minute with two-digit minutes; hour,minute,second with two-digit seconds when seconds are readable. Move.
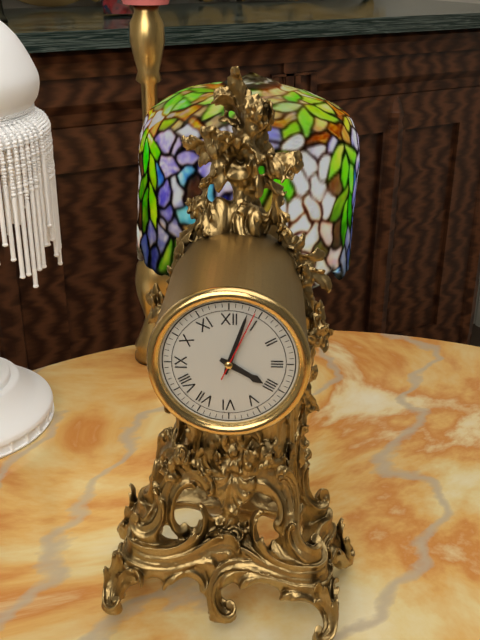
4,03,04
